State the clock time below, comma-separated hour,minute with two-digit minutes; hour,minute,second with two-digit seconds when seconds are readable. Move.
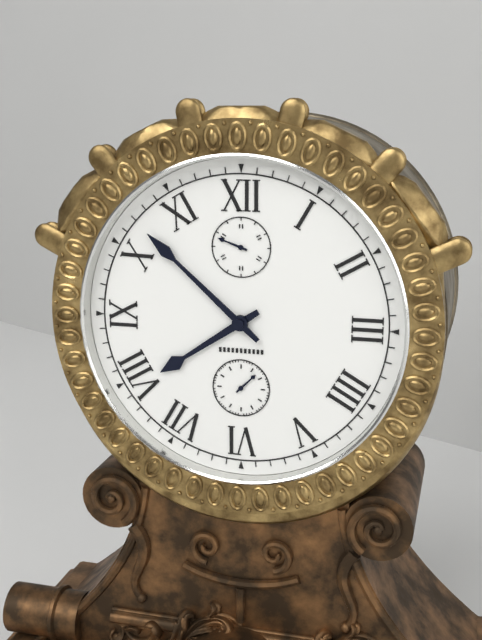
7,52
